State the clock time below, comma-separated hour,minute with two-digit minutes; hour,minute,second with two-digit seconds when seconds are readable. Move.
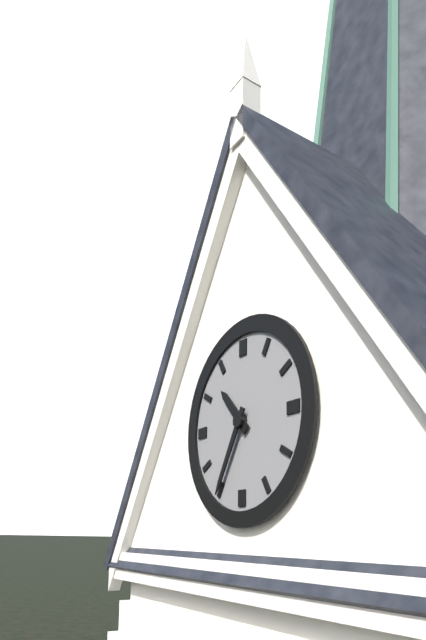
10,35
